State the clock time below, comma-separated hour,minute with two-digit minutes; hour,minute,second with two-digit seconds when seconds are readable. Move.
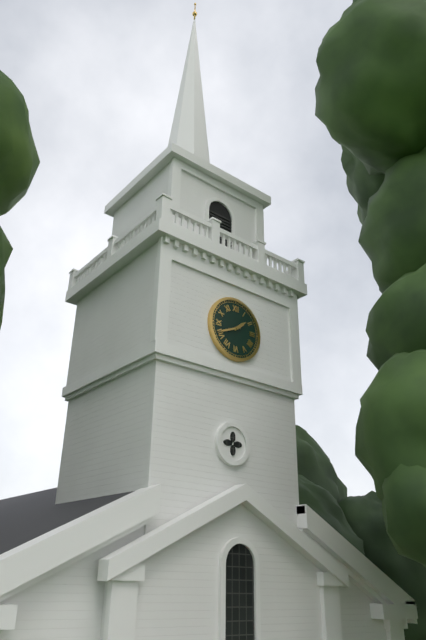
1,41
